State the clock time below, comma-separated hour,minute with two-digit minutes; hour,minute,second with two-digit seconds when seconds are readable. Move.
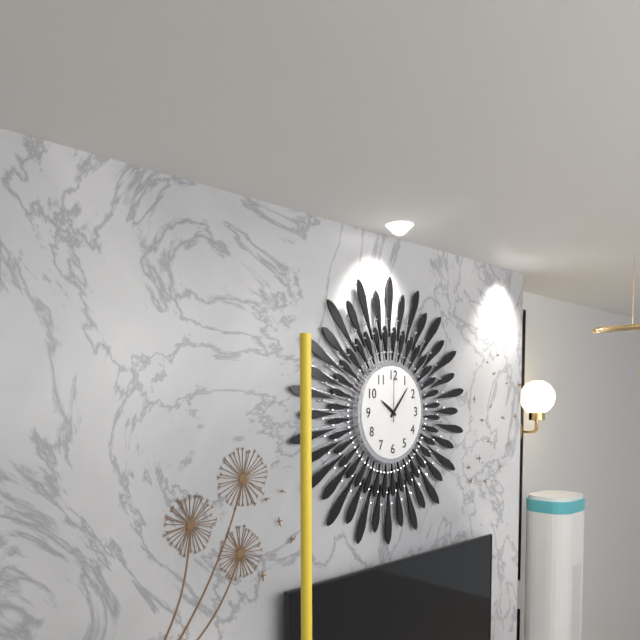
10,07
